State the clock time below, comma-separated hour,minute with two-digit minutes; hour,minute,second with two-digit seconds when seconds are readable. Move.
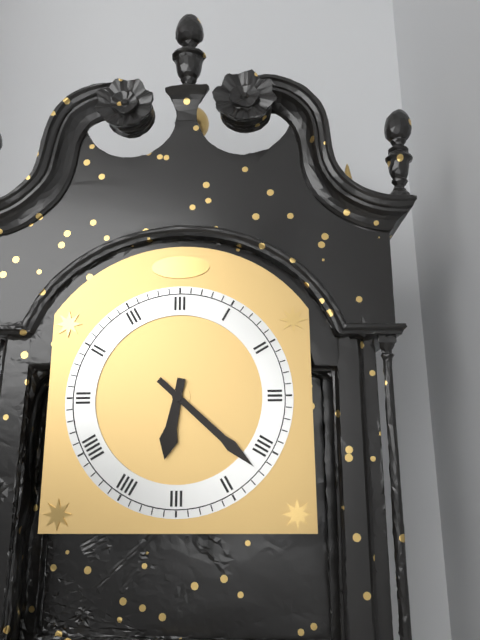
6,22
